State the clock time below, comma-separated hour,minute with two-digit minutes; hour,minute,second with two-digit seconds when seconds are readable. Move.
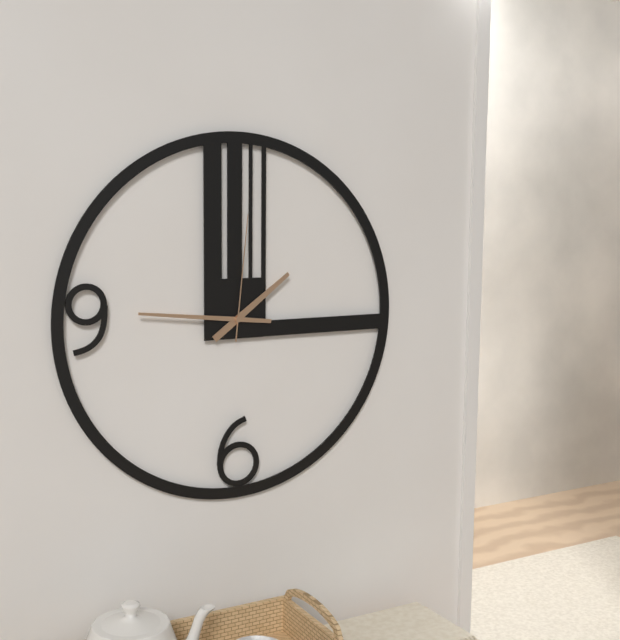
1,46,01
